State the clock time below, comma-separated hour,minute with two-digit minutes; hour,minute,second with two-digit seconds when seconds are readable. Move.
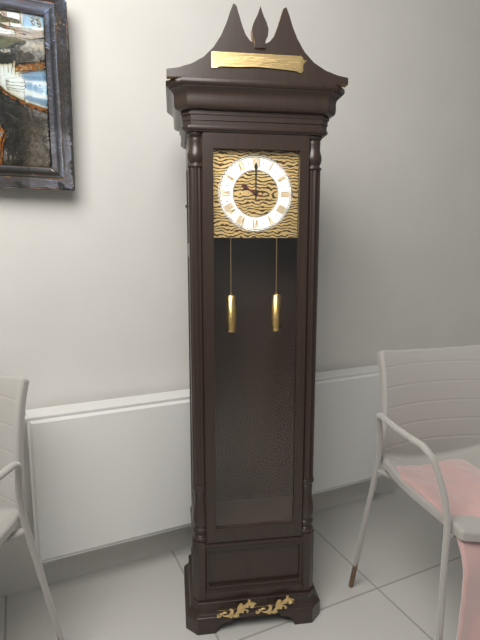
10,00
